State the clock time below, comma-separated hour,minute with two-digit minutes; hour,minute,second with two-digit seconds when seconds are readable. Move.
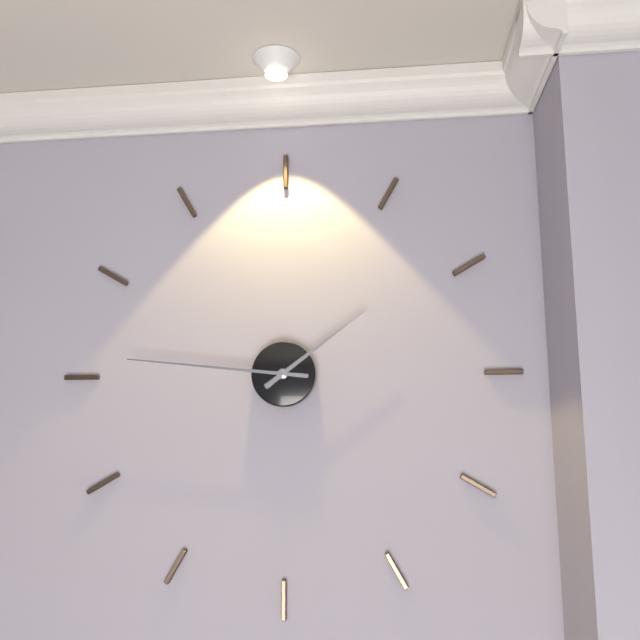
1,46
